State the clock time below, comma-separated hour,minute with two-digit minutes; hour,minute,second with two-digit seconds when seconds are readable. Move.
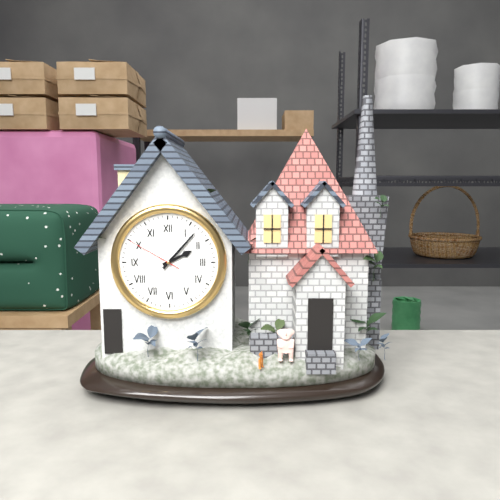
2,07,50
